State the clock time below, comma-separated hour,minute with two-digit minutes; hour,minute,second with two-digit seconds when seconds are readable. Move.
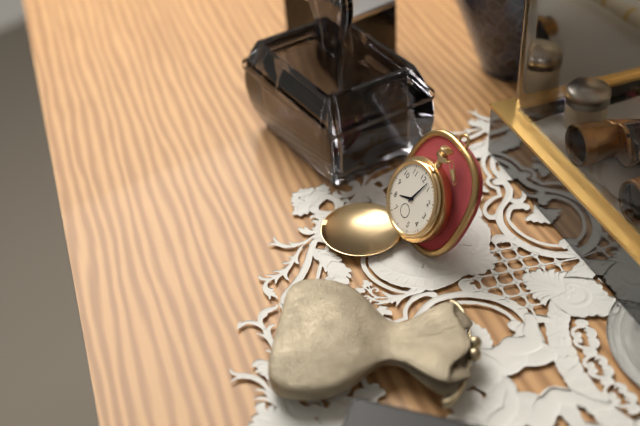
8,03
